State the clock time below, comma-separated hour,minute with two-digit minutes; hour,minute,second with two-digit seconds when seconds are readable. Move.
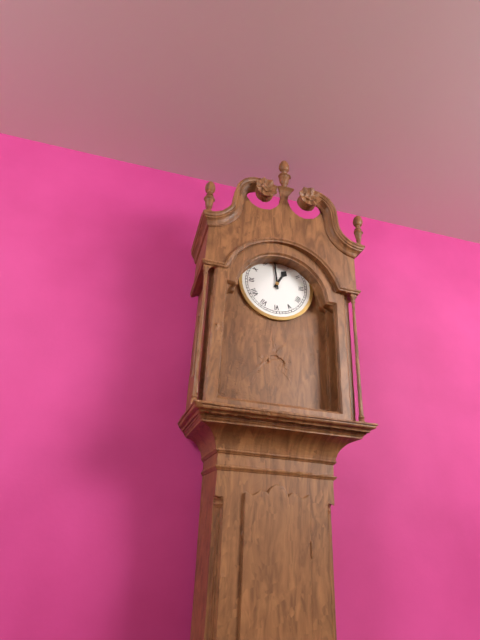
12,59
